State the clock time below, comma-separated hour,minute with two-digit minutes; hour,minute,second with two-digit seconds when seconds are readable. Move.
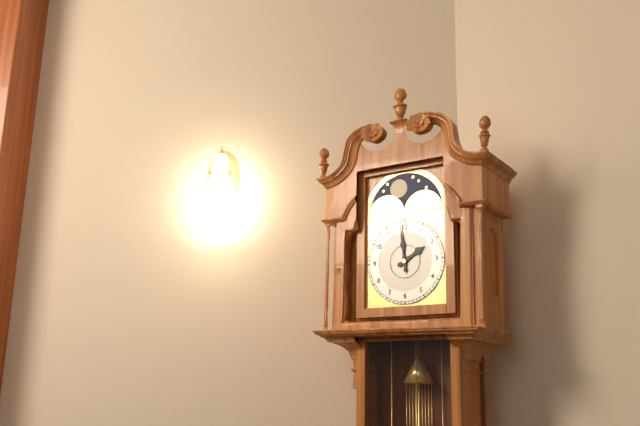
1,59
